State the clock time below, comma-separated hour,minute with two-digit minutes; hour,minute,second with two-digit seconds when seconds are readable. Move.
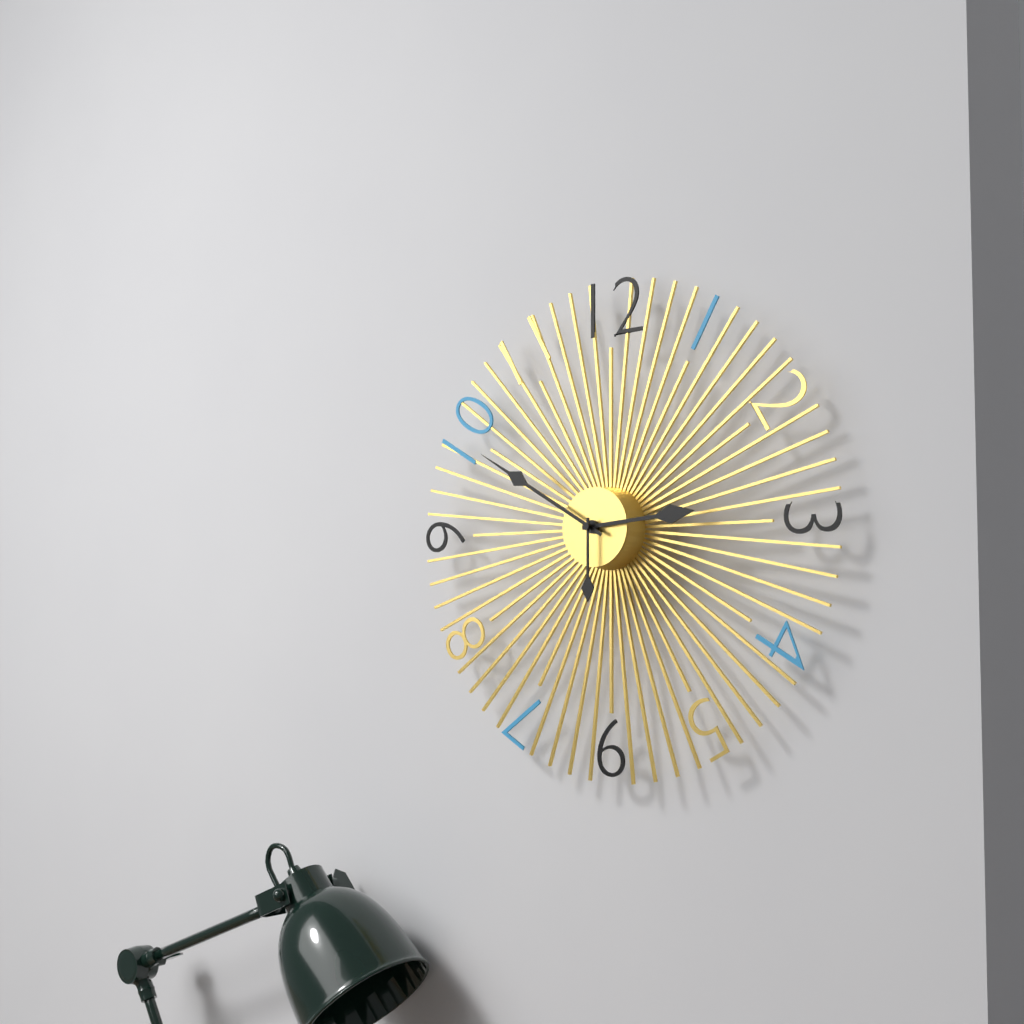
2,50,30
